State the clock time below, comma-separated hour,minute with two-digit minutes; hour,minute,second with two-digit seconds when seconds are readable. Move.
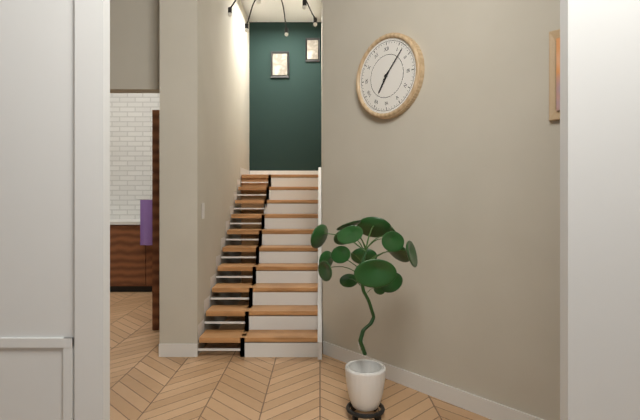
7,07
